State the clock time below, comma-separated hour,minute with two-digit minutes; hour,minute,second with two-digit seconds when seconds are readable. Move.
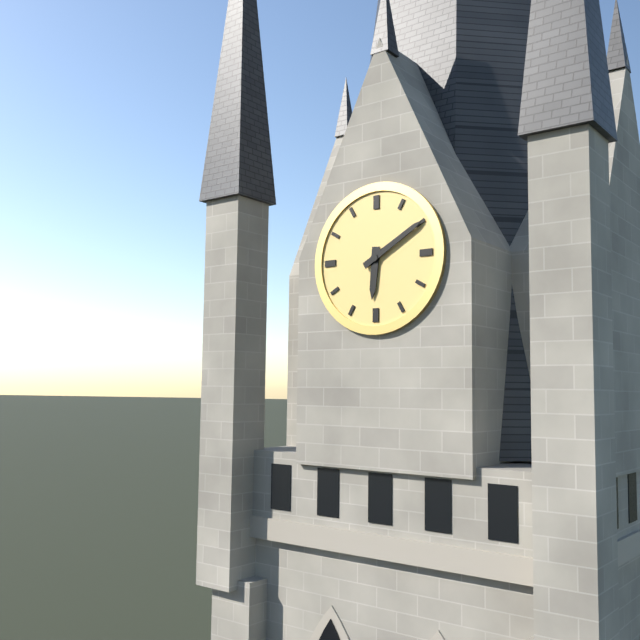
6,10
